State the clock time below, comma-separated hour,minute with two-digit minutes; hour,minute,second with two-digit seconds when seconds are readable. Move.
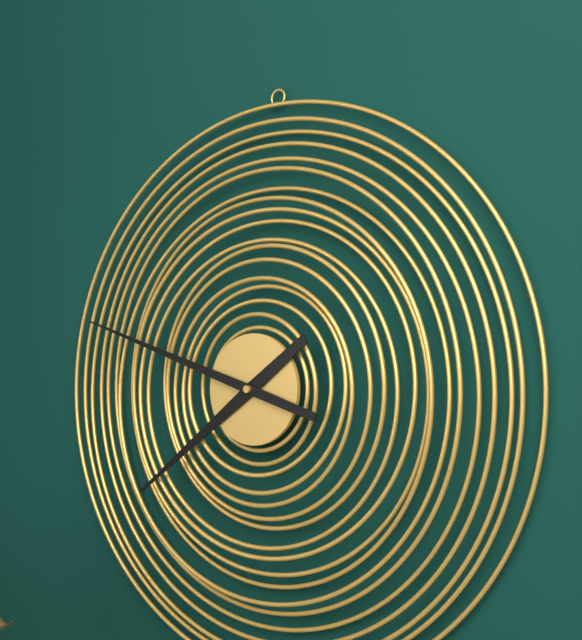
7,48
